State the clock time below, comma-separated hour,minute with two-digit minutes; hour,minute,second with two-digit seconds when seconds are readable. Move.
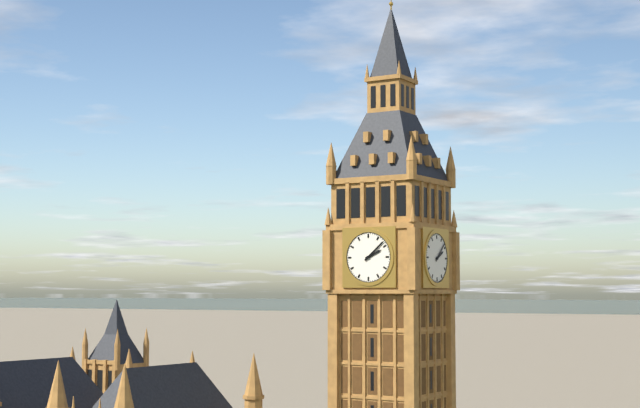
2,08
